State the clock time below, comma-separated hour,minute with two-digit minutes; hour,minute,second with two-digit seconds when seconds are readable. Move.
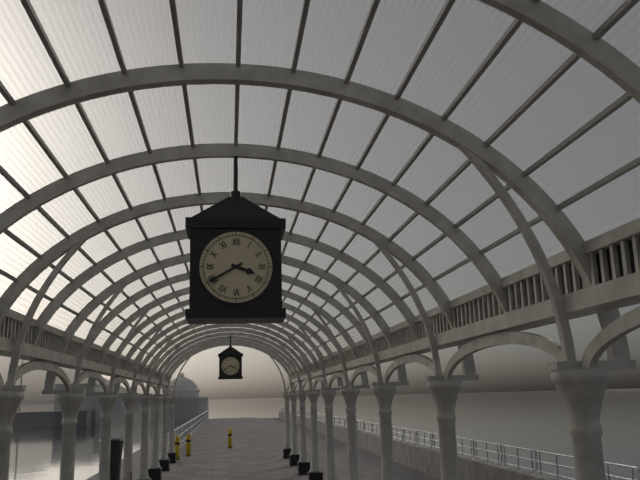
3,40
